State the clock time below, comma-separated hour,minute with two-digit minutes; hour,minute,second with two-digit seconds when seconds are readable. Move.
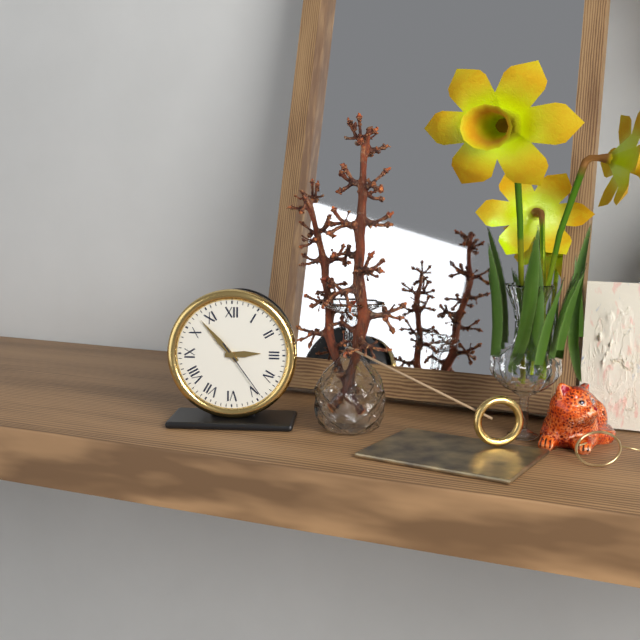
2,53,24
